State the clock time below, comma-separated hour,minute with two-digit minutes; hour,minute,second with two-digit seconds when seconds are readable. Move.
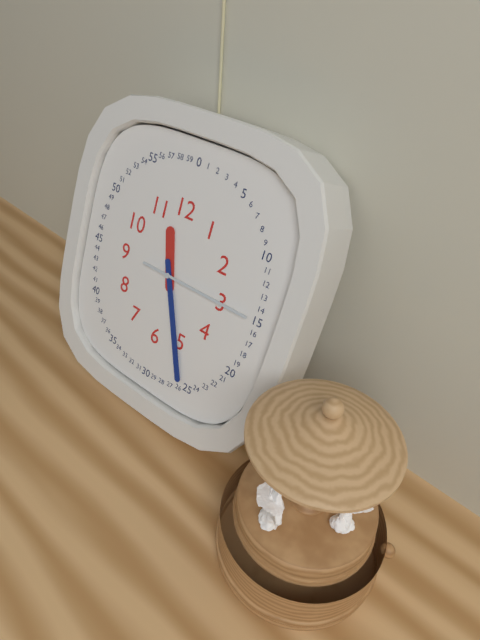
11,26,15
